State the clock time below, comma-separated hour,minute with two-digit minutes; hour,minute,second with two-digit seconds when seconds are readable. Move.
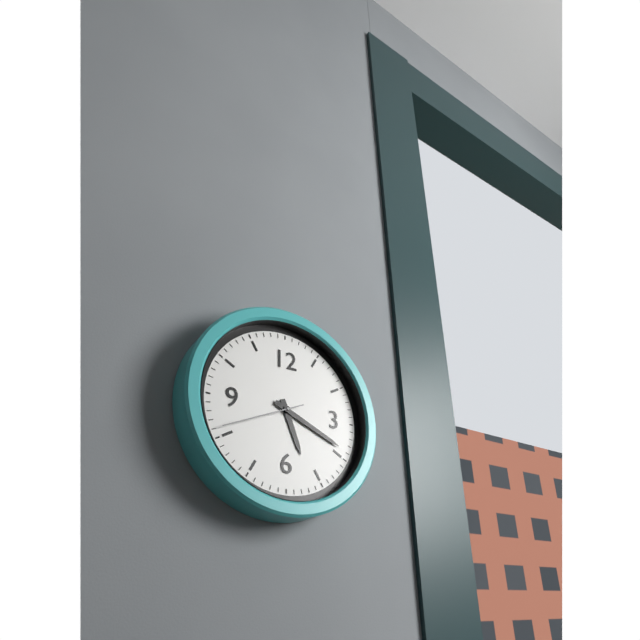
5,19,41
